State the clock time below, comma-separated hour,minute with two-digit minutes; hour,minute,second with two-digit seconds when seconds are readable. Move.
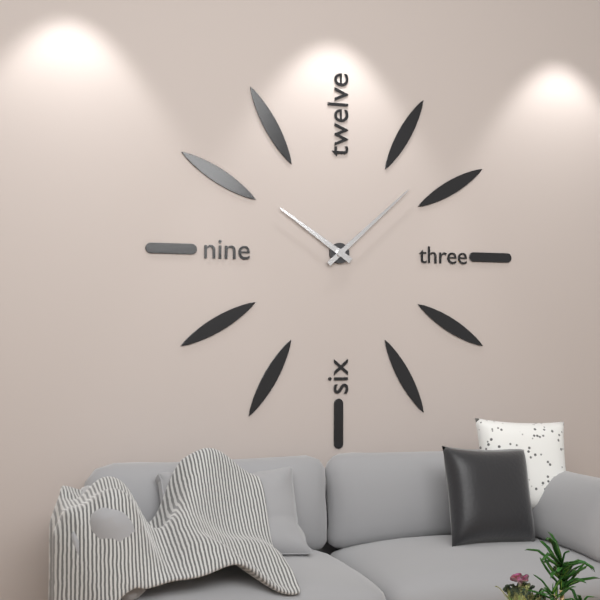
10,08
